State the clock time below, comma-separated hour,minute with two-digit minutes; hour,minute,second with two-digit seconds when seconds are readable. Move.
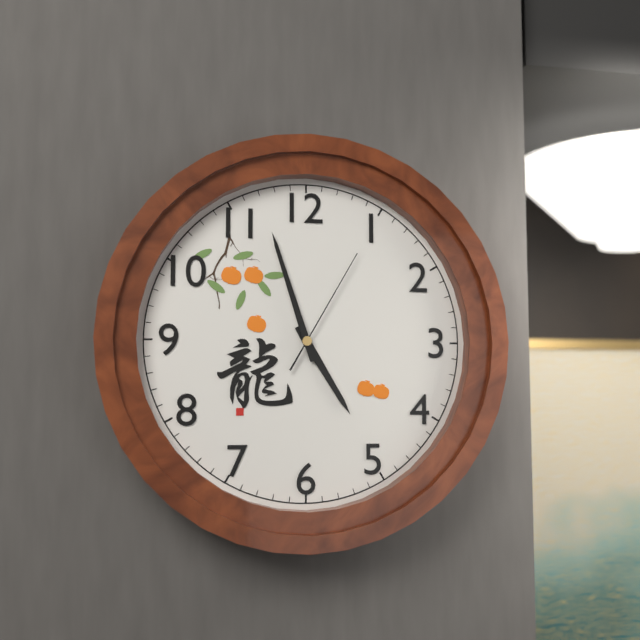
4,57,05
